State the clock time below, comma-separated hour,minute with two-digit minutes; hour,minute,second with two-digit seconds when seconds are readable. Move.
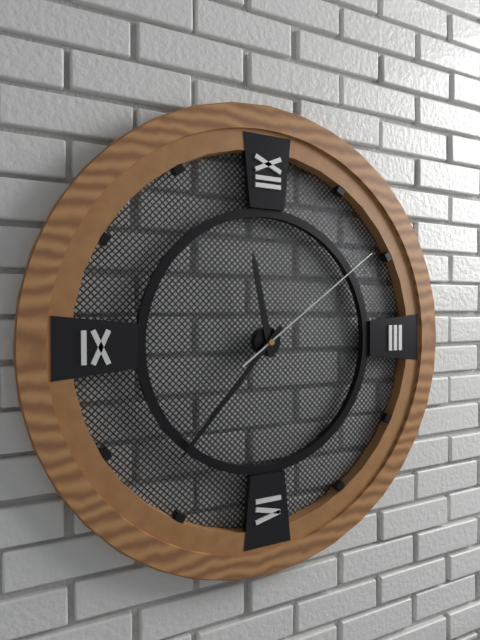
11,37,09
